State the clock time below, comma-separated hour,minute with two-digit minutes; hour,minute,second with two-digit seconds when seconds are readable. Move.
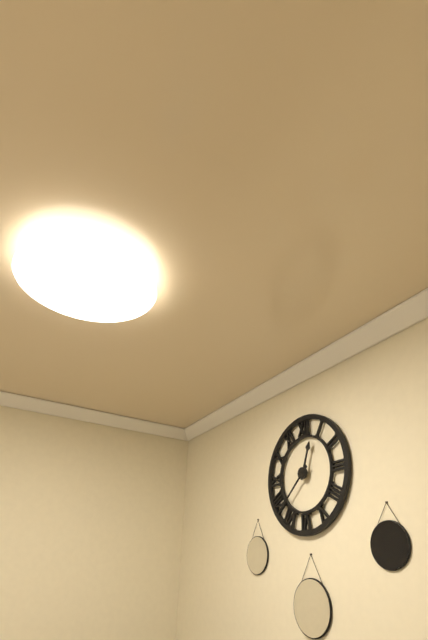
12,38
